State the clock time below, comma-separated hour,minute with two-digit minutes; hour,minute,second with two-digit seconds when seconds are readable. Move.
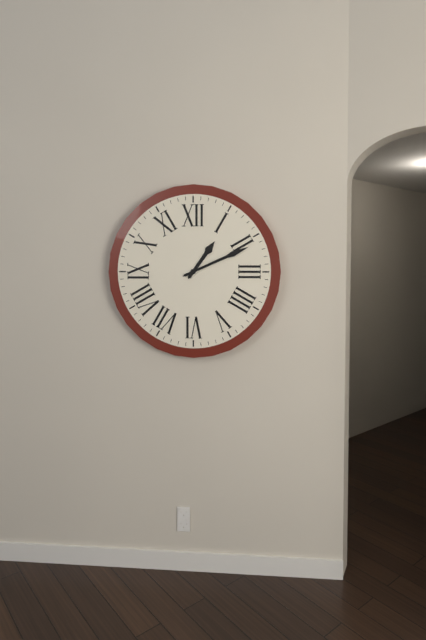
1,11
